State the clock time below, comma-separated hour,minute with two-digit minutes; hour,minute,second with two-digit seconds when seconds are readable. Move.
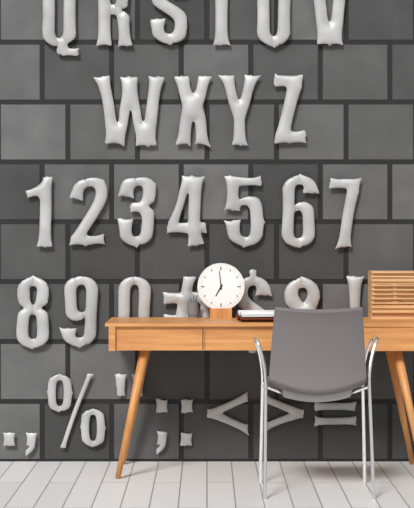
6,59
